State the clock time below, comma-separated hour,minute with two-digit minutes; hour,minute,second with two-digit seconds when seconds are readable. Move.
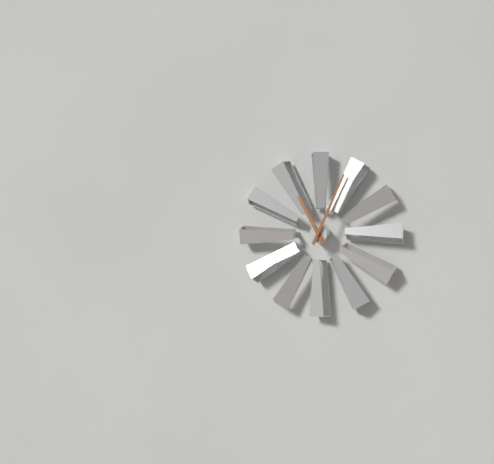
11,04
